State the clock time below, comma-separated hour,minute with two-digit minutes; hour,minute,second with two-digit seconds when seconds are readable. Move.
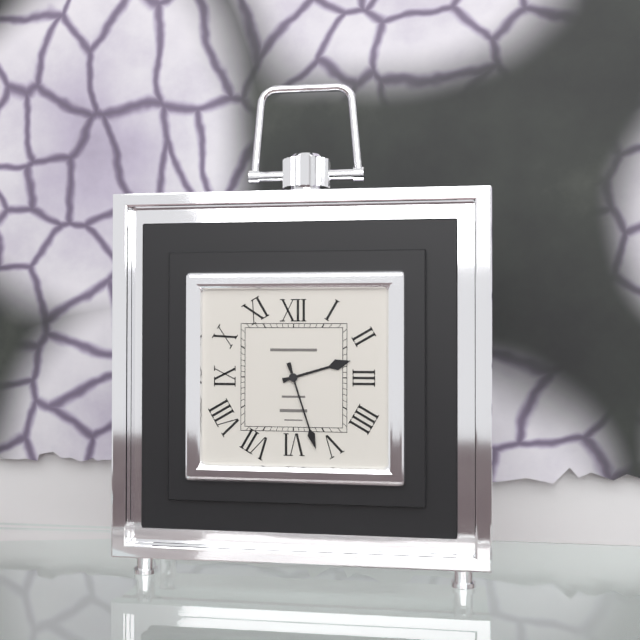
2,27
